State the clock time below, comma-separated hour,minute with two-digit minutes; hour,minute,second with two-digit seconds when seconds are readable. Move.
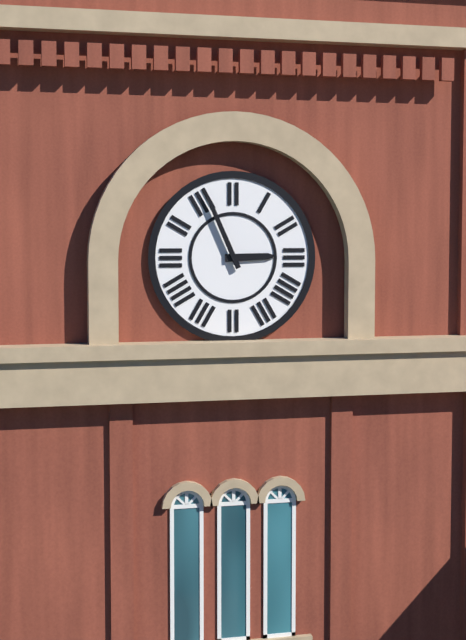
2,56
